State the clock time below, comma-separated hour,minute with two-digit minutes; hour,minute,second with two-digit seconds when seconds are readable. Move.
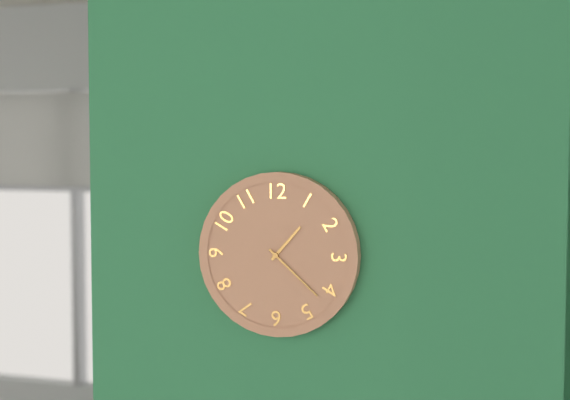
1,22
